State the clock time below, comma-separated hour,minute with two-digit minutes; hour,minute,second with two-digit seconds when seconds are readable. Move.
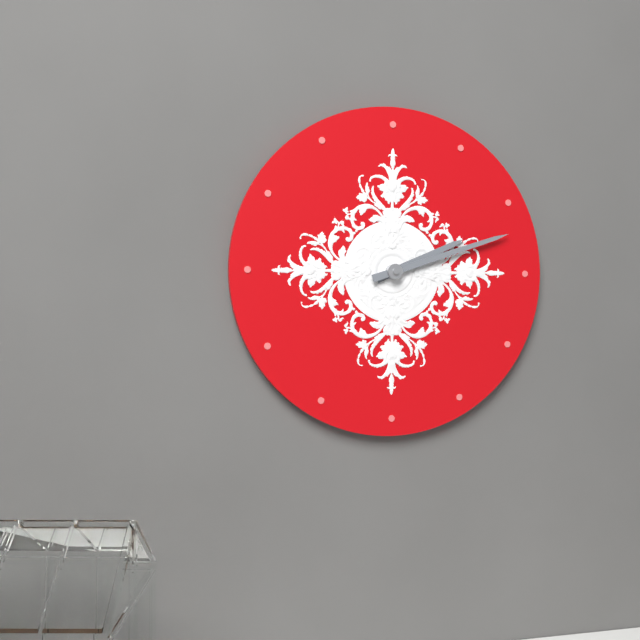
2,12
